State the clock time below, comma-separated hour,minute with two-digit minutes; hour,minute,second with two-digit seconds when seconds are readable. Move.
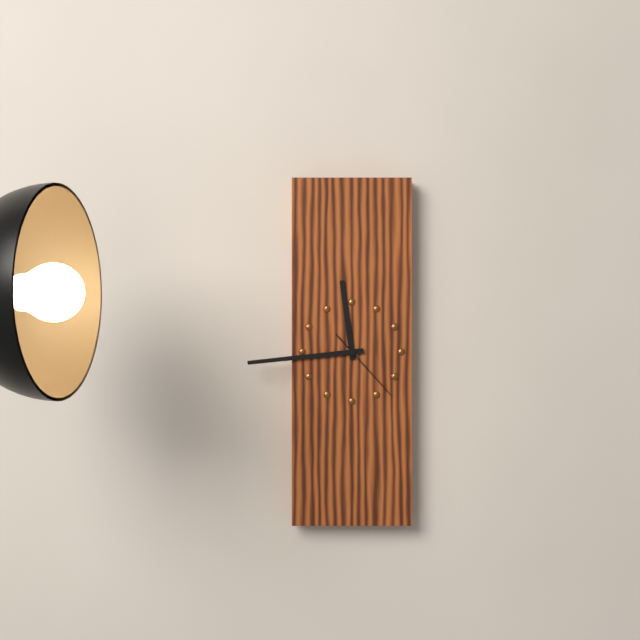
11,44,23
